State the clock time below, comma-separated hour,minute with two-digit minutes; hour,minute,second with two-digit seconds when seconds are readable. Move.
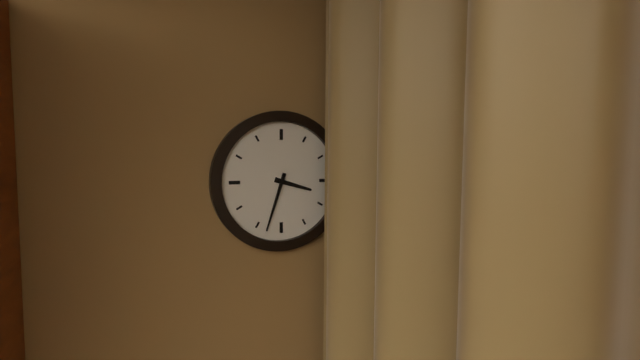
3,33
